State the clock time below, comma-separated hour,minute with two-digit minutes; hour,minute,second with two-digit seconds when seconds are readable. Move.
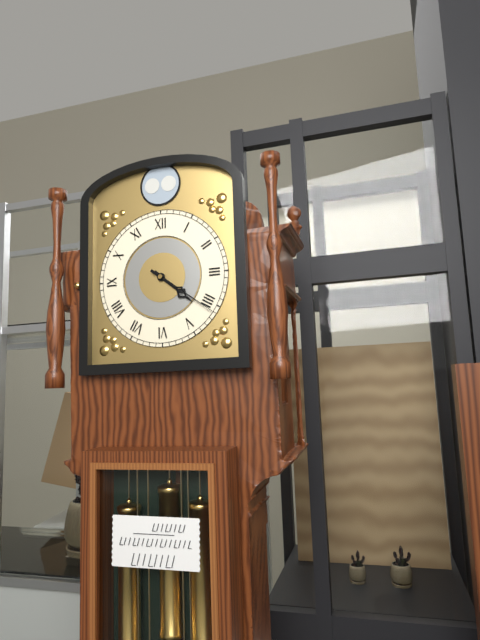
4,21
